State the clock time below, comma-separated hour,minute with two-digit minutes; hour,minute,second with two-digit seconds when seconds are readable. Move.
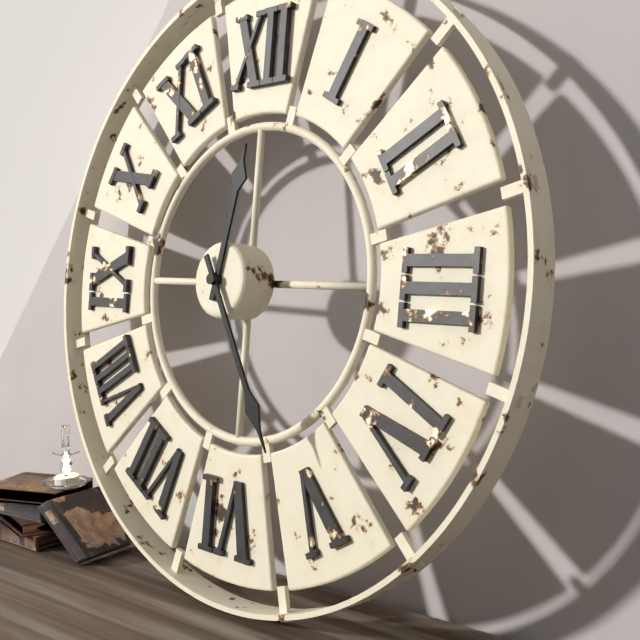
12,25
